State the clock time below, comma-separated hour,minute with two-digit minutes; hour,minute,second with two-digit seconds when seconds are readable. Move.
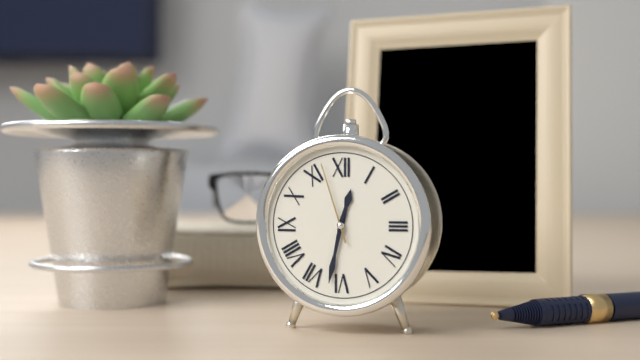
12,32,57
